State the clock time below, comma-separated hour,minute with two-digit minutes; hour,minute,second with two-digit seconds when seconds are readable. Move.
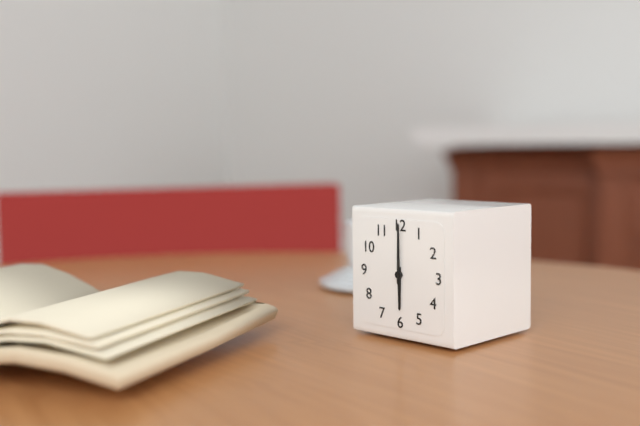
6,00
